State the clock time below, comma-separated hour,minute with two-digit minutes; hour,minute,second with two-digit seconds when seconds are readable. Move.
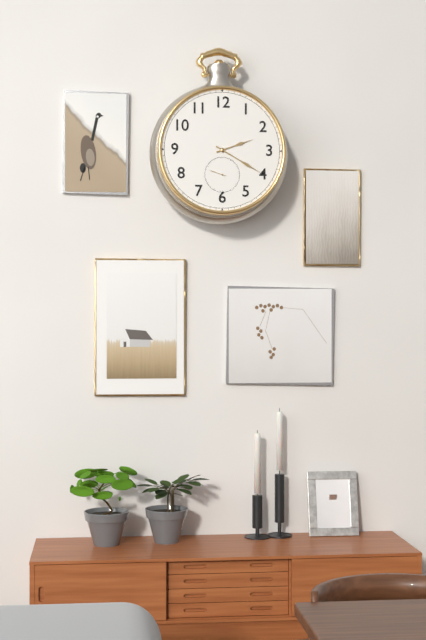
2,20
